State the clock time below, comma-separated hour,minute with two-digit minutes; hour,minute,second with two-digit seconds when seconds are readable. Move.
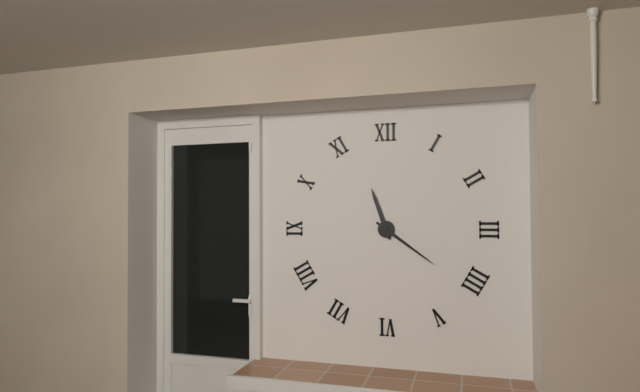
11,21
